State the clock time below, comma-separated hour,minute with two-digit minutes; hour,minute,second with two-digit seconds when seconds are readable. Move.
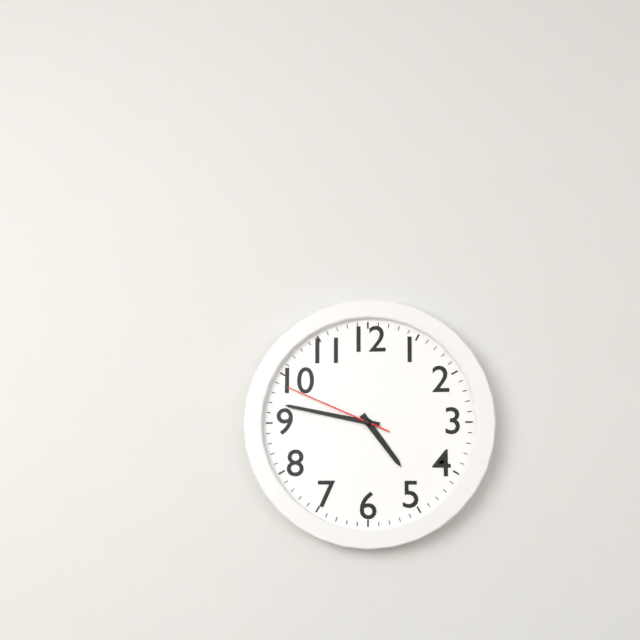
4,47,49
